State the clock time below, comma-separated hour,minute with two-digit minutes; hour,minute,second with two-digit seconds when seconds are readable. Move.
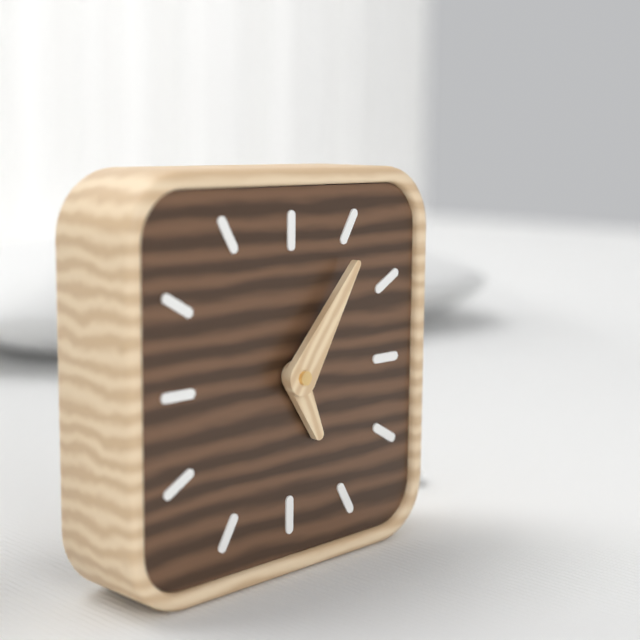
5,06
